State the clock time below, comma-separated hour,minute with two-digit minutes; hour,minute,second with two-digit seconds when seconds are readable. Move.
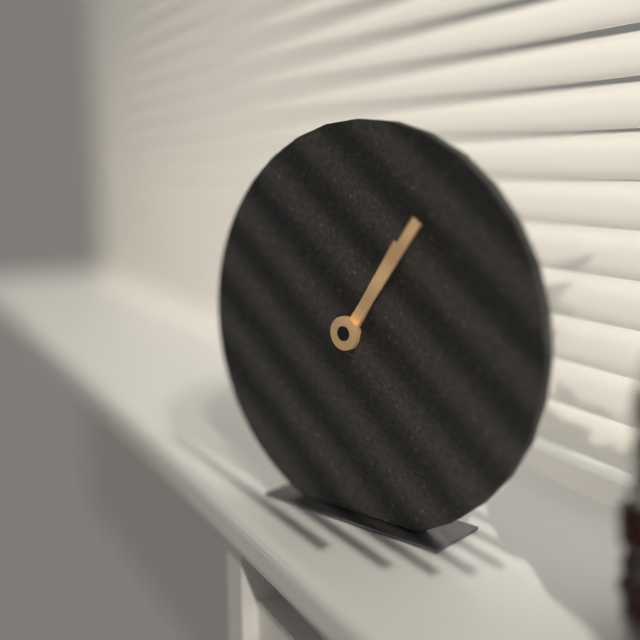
1,06
